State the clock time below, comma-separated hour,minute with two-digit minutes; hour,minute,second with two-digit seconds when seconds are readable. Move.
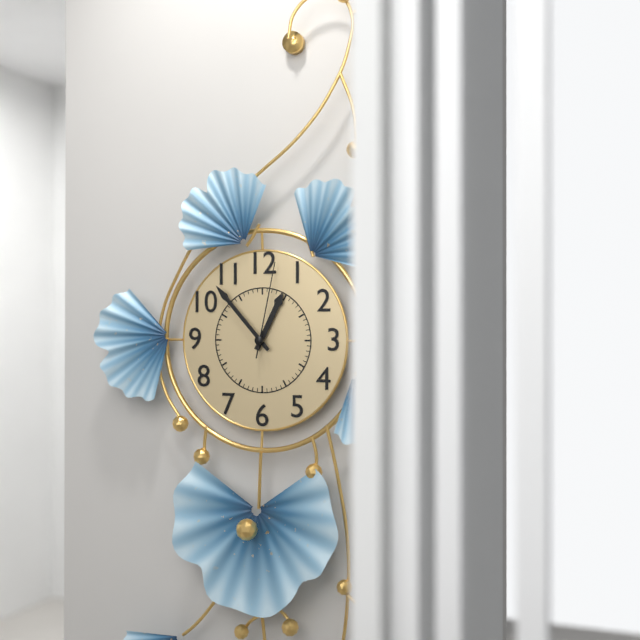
12,53,02
